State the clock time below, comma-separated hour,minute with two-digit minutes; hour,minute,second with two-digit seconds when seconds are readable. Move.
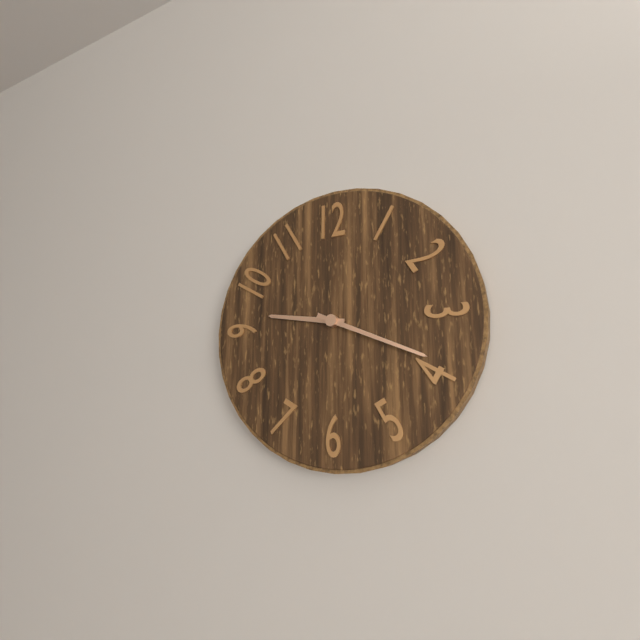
9,19
